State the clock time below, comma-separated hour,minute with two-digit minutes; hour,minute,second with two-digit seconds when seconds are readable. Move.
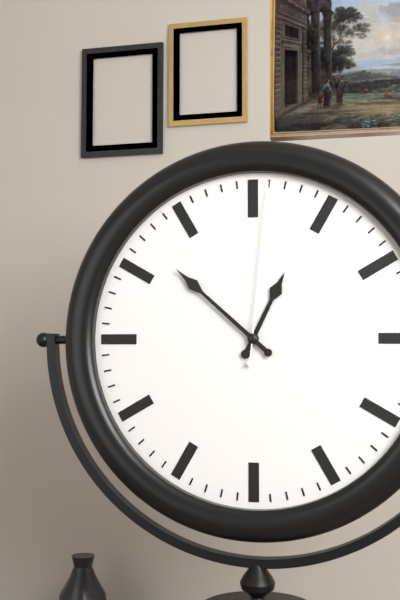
12,52,01
